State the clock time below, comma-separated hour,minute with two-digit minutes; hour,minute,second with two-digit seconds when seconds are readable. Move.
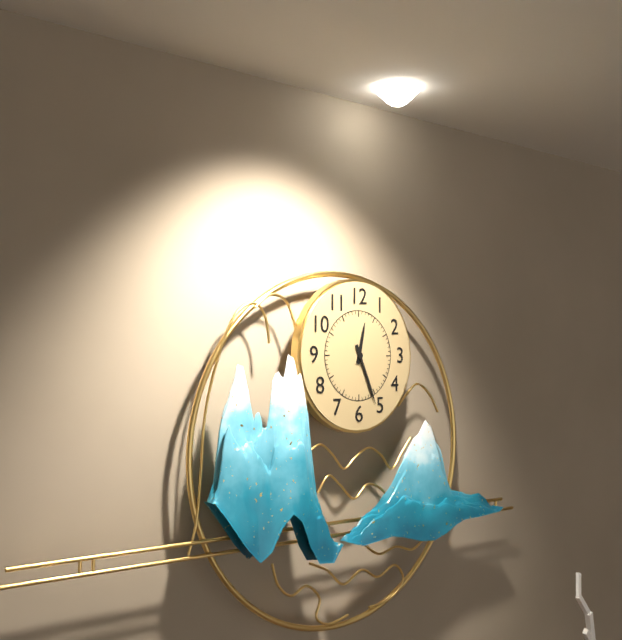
12,26
